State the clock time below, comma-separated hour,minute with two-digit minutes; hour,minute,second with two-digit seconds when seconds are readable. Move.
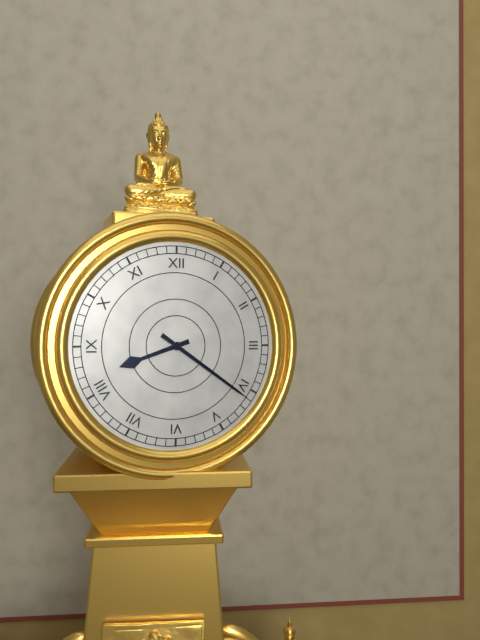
8,21
